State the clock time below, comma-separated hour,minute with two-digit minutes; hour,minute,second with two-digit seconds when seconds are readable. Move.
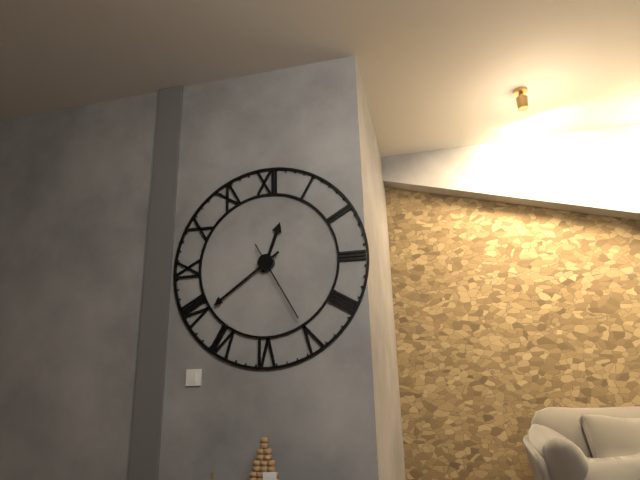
12,39,25
